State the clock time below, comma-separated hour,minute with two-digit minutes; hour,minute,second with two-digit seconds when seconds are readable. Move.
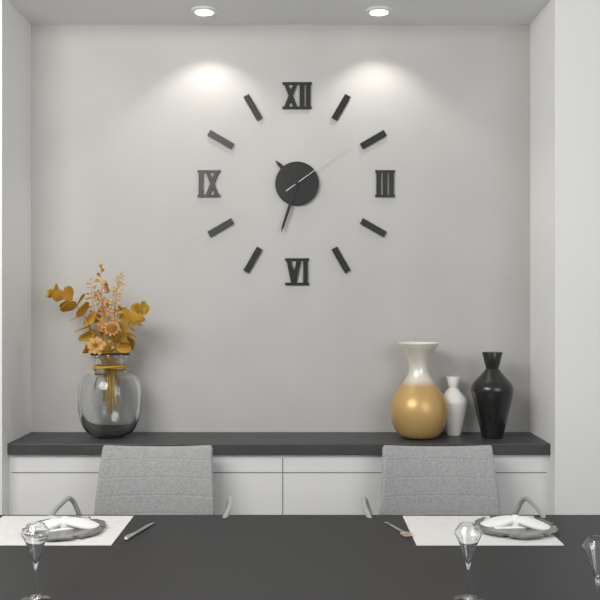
10,33,09
